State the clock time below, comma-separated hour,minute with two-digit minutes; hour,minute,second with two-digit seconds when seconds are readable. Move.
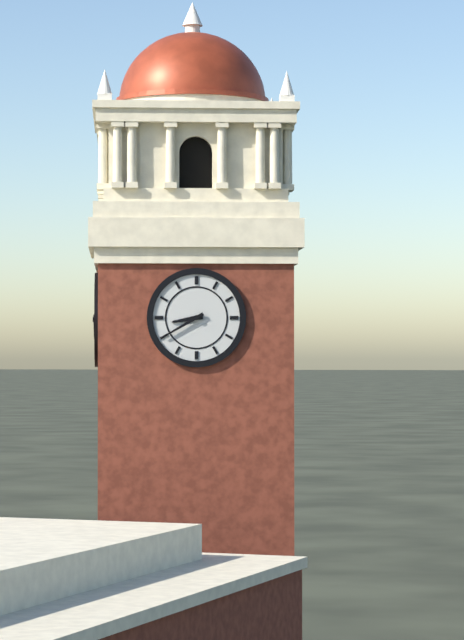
8,40
